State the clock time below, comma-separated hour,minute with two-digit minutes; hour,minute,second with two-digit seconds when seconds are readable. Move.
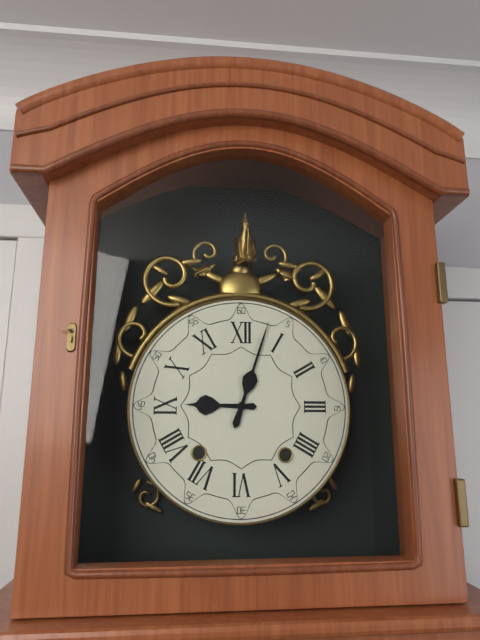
9,03
